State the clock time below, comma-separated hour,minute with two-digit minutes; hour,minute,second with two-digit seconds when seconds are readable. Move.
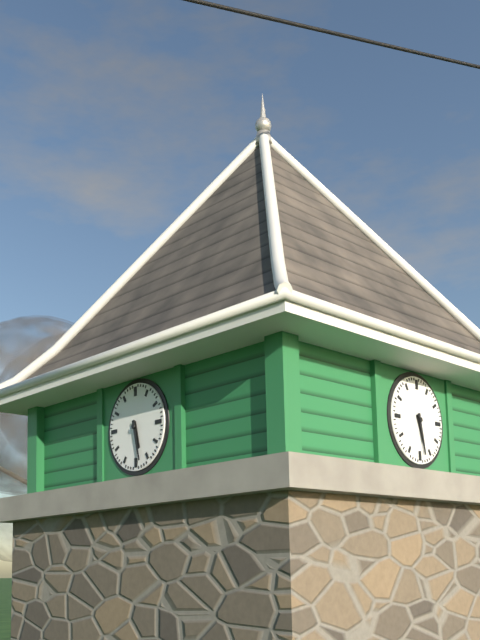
5,28
